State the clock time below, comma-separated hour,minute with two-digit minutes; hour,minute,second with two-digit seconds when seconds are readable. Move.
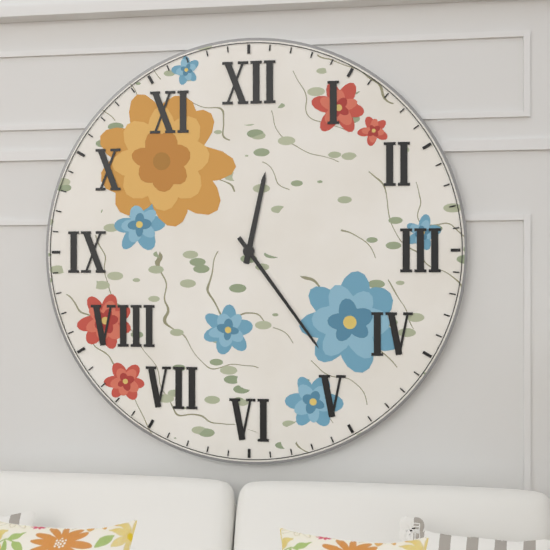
12,24
